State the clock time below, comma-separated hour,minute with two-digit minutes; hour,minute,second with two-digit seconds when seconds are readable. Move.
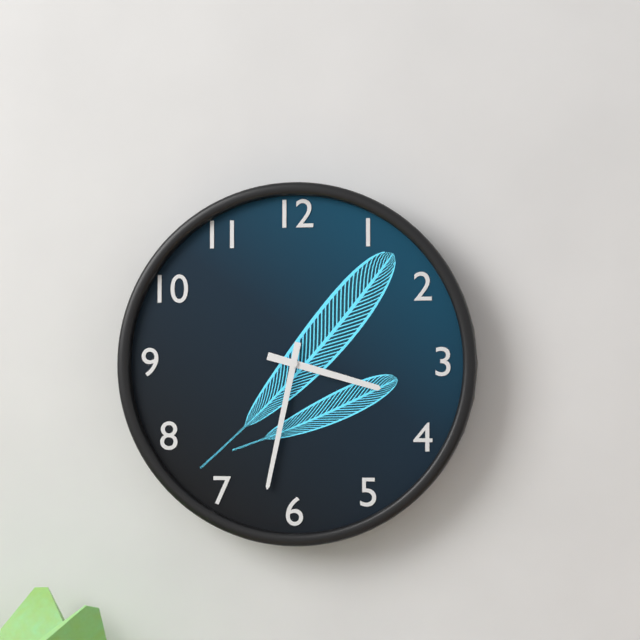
3,32
